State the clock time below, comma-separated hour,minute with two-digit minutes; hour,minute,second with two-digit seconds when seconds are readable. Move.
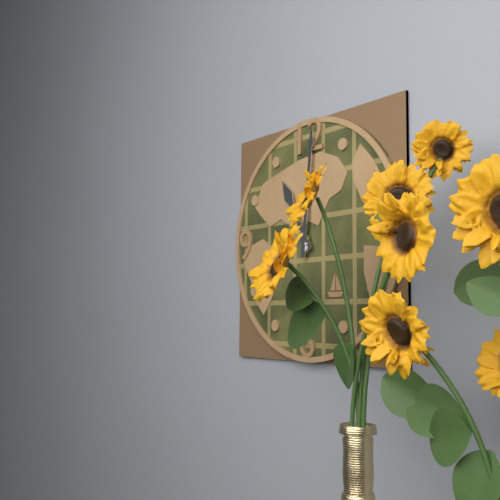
11,01
